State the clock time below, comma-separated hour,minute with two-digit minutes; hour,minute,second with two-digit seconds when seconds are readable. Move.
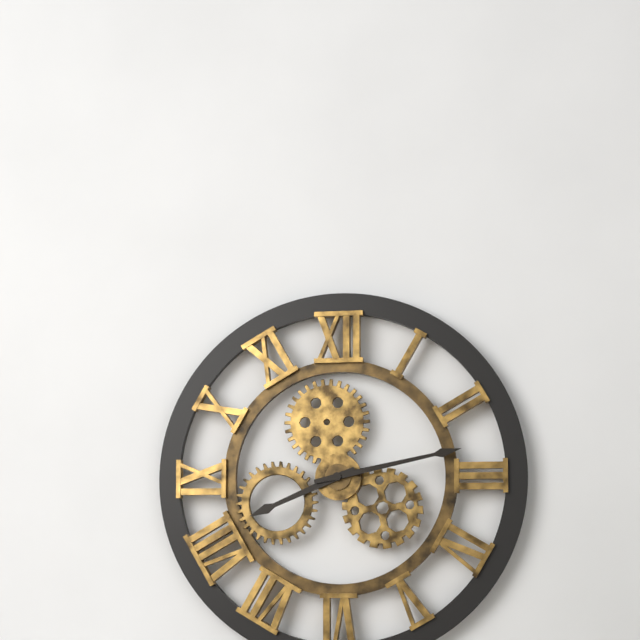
8,13
